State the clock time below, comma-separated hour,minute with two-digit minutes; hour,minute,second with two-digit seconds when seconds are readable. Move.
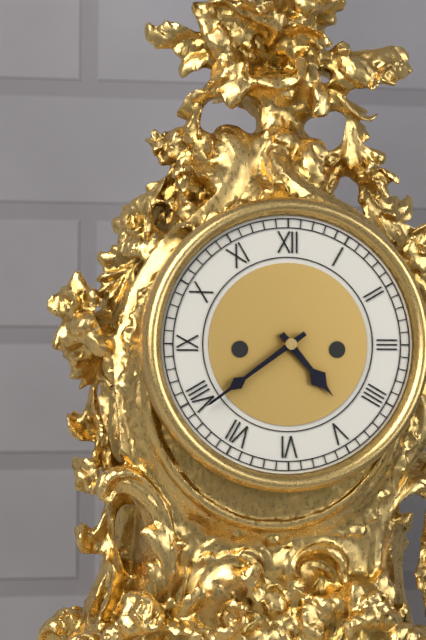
4,39
